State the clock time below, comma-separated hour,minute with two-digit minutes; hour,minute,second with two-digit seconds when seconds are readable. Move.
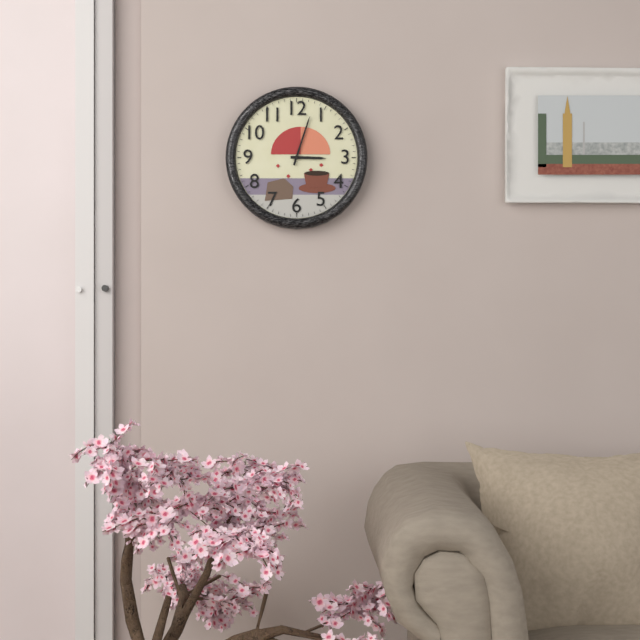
3,03
